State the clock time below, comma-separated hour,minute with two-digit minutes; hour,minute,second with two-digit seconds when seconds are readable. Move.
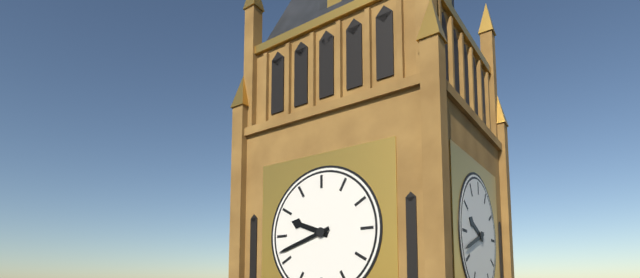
9,42
